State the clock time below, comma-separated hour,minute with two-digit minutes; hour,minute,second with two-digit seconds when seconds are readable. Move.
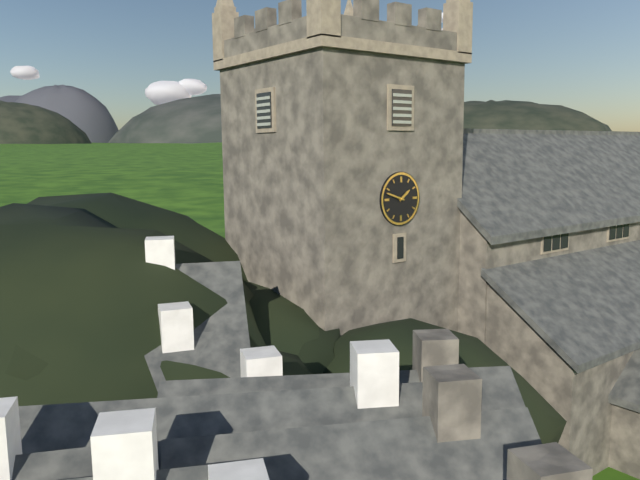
1,48
